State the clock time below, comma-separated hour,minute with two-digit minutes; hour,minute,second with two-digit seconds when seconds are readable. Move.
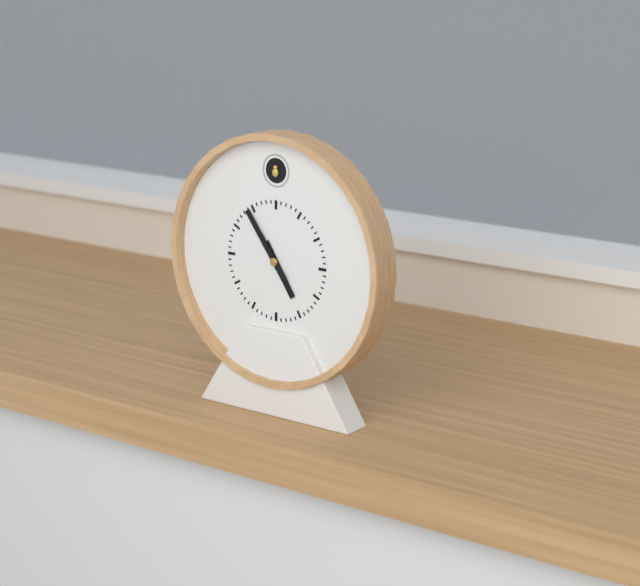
4,54
